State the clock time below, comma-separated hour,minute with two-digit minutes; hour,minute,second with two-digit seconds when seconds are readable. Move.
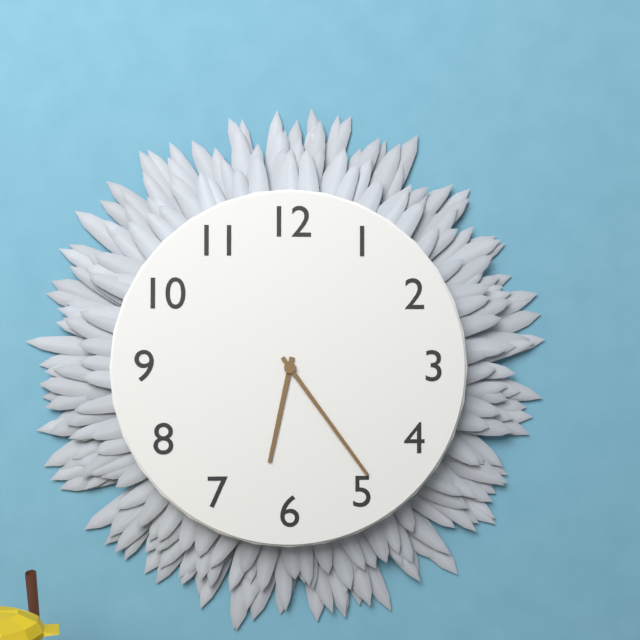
6,24
